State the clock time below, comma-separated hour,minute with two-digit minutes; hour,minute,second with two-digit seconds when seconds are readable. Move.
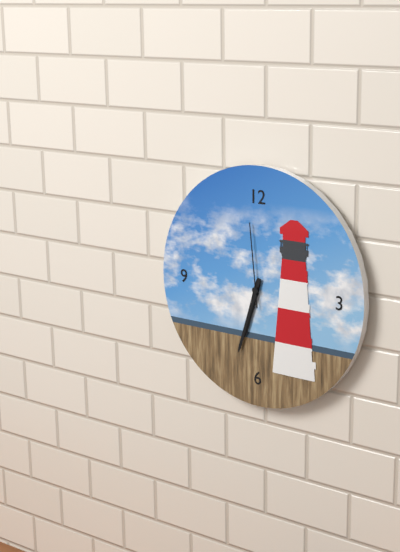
6,33,59
